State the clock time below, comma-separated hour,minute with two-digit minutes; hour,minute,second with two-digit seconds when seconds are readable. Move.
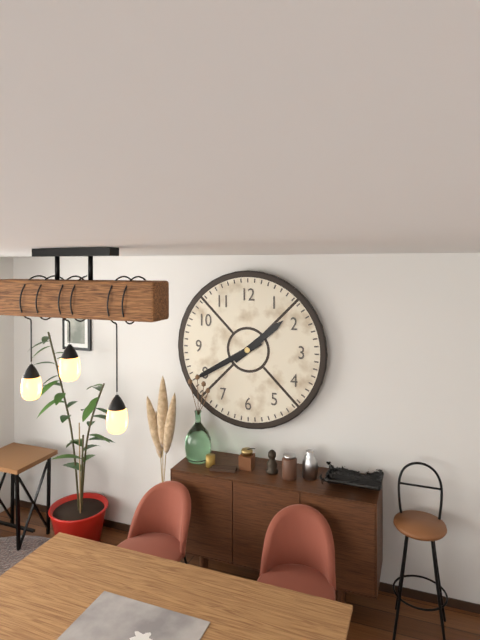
1,40
